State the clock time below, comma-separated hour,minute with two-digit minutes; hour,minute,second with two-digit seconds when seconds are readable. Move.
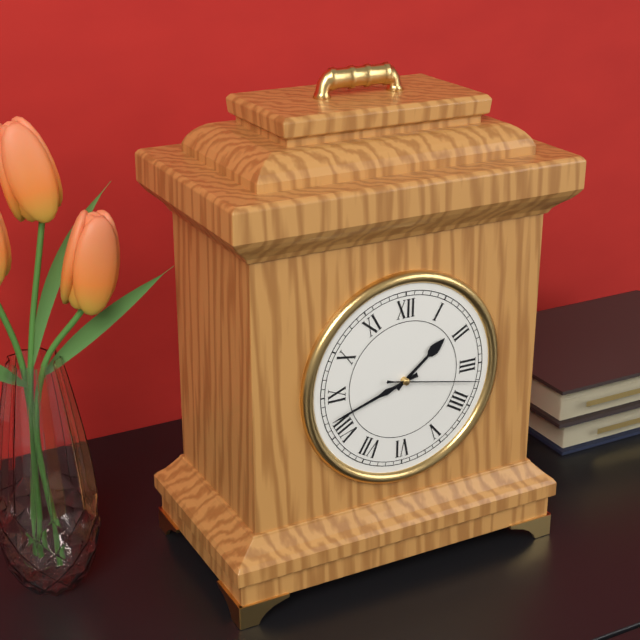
1,42,17
